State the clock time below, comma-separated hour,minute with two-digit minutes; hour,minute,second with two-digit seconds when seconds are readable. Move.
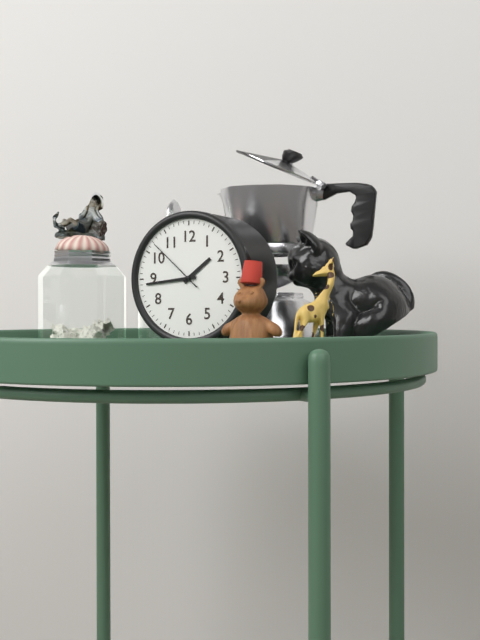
1,44,52
